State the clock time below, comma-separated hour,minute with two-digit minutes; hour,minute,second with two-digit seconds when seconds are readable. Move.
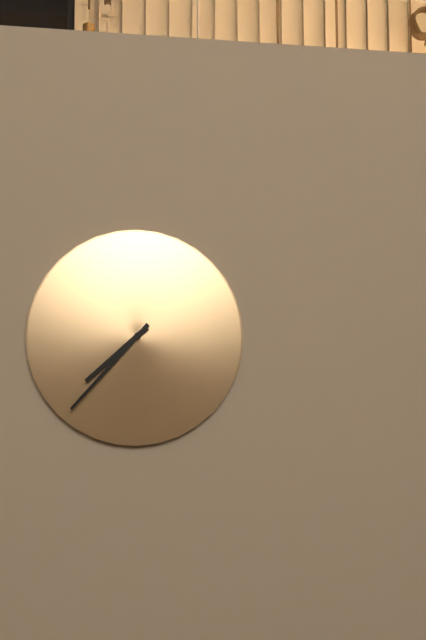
7,37
